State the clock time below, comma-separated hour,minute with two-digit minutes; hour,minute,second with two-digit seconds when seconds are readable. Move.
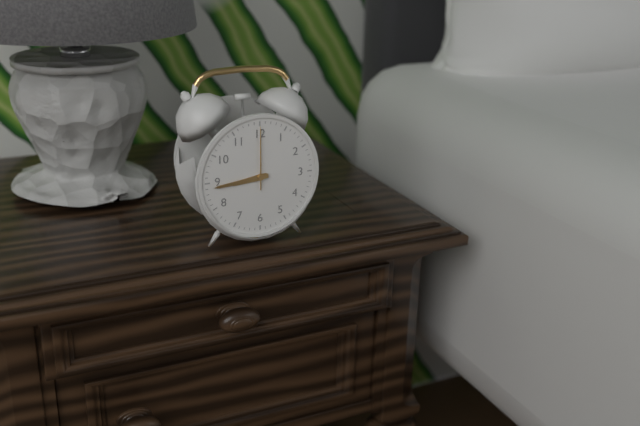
8,44,00
